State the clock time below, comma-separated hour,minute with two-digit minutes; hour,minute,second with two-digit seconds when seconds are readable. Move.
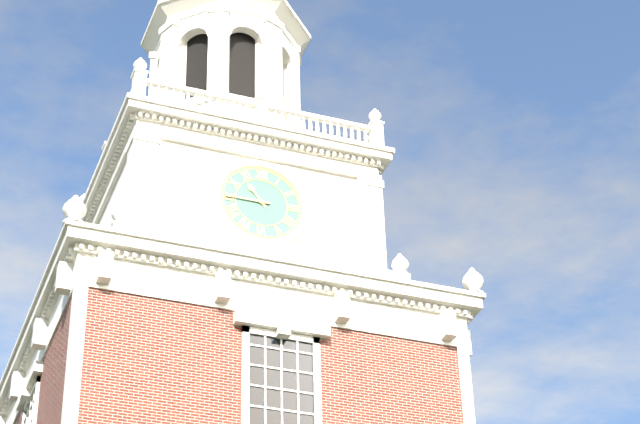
10,45
